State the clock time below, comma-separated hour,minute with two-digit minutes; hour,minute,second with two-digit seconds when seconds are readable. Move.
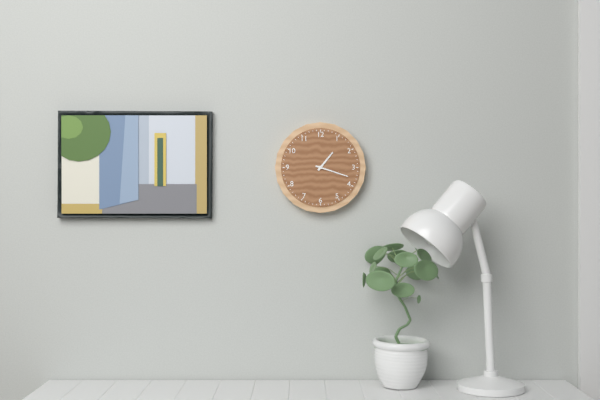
1,18
